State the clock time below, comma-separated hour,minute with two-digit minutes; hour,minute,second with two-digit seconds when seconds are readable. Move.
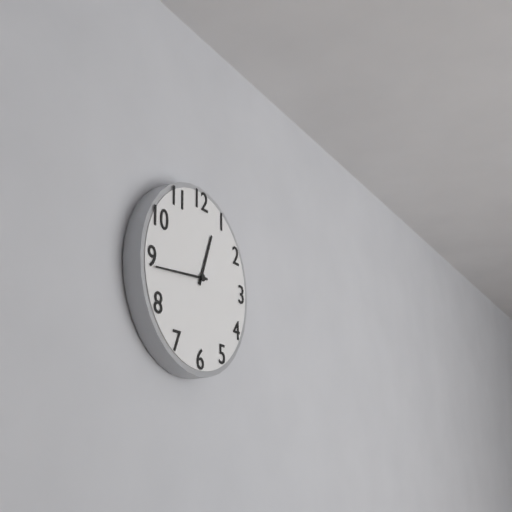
12,44
